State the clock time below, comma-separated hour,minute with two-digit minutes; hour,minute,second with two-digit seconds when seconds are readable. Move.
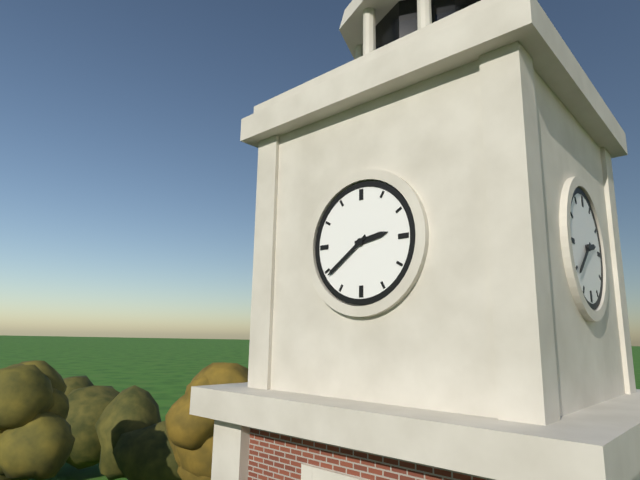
2,39
